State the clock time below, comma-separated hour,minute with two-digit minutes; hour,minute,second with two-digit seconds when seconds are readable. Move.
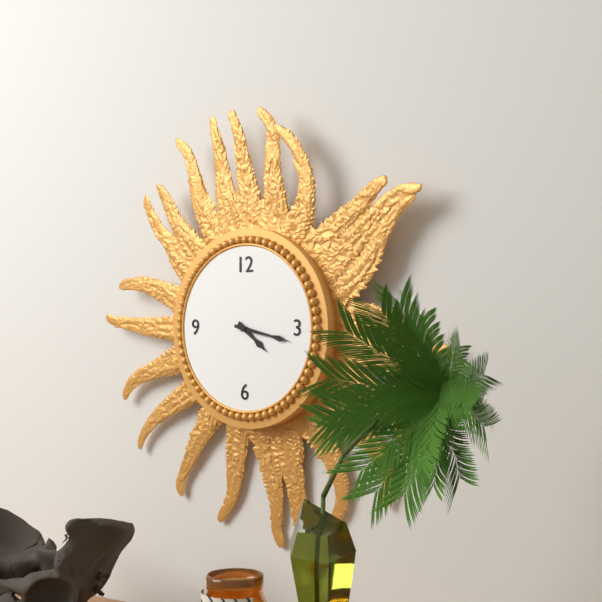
4,17
